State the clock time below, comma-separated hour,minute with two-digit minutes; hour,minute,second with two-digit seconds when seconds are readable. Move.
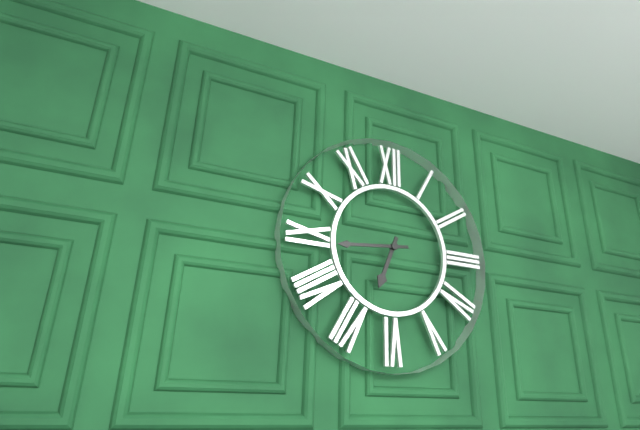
6,44
